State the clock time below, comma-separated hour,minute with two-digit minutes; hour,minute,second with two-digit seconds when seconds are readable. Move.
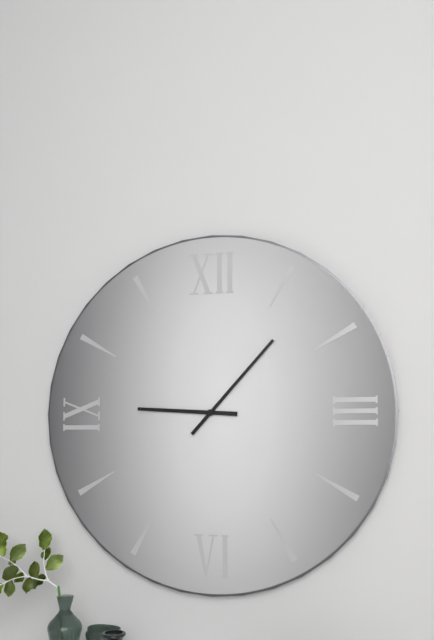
9,07
